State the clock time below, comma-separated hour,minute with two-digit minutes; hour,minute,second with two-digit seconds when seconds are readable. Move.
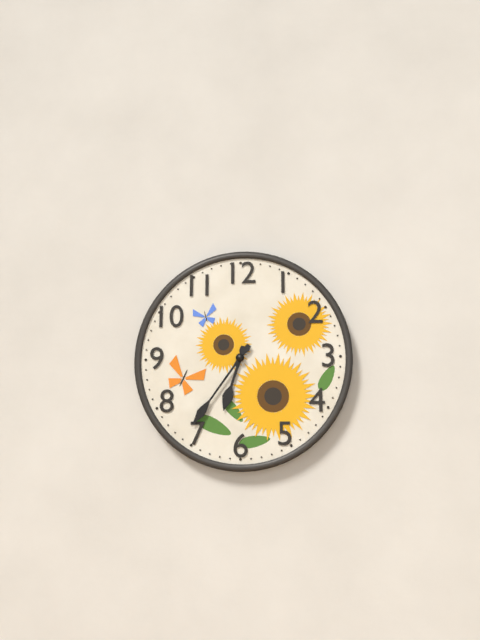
6,36
